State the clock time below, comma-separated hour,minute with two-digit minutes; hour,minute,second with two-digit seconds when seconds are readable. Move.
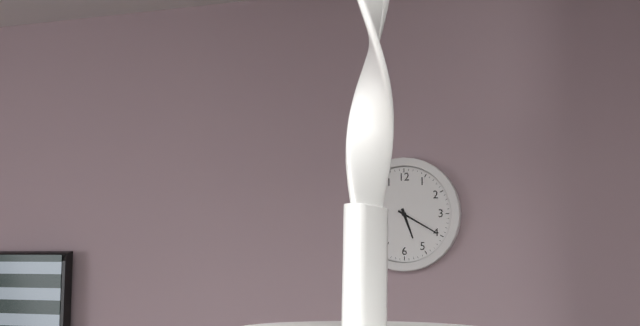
5,20
